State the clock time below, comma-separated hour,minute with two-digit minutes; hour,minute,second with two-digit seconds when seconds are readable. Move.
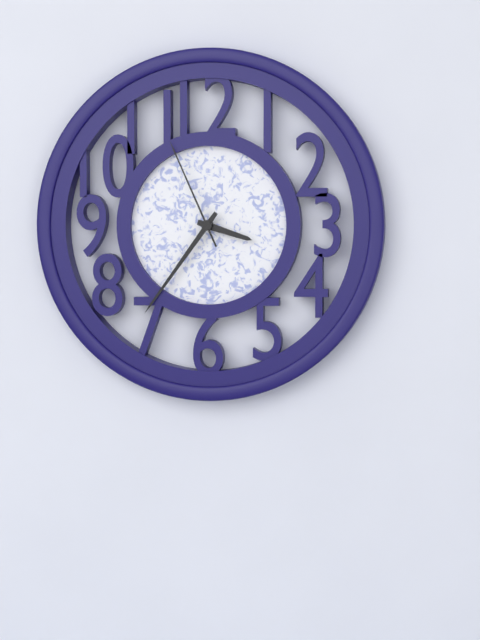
3,36,56
